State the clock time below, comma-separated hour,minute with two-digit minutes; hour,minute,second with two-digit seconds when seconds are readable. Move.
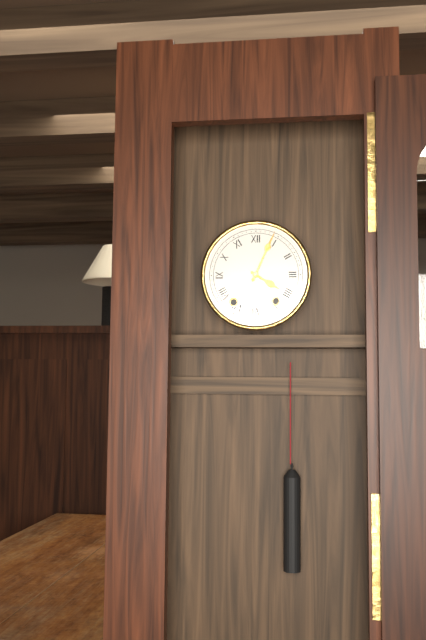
4,04
